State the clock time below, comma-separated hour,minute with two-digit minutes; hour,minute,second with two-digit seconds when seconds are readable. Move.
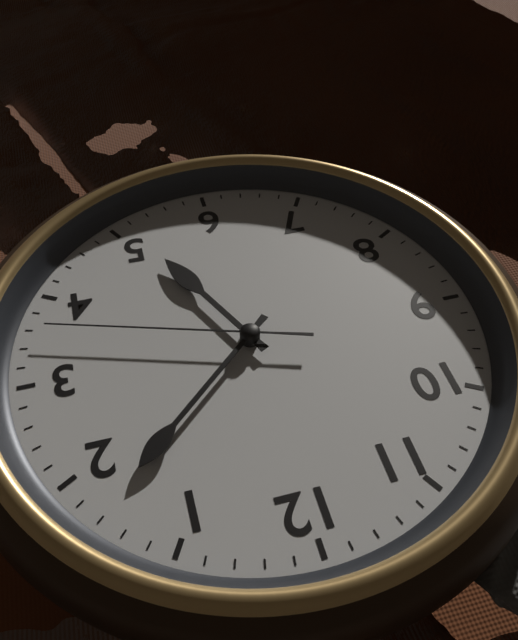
5,08,18
